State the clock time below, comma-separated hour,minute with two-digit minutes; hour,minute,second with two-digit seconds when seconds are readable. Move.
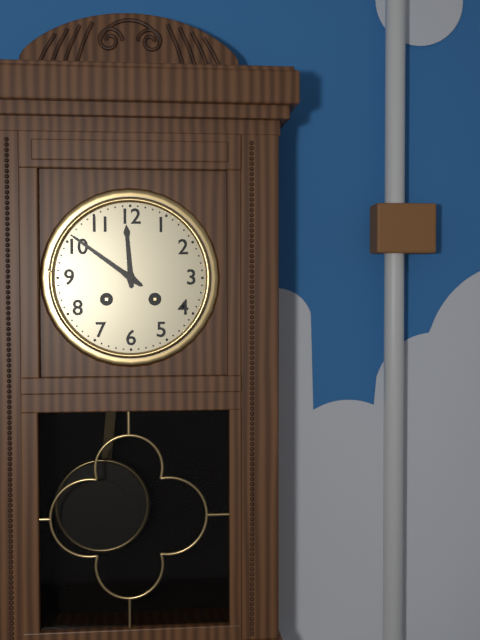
11,51
